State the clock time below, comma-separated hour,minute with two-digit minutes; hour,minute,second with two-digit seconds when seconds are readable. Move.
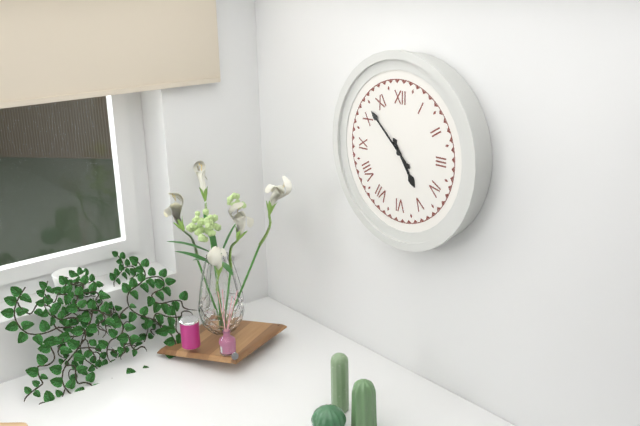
4,52
